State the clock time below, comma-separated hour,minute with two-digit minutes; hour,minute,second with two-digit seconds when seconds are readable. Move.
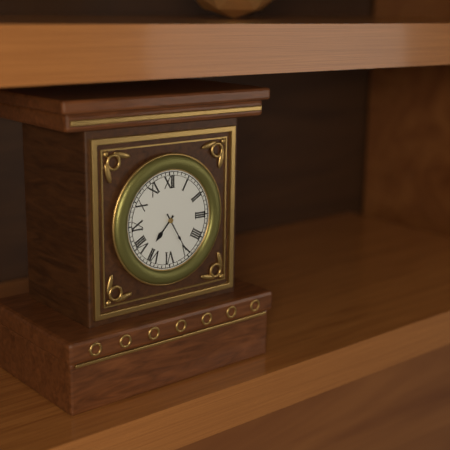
7,25
